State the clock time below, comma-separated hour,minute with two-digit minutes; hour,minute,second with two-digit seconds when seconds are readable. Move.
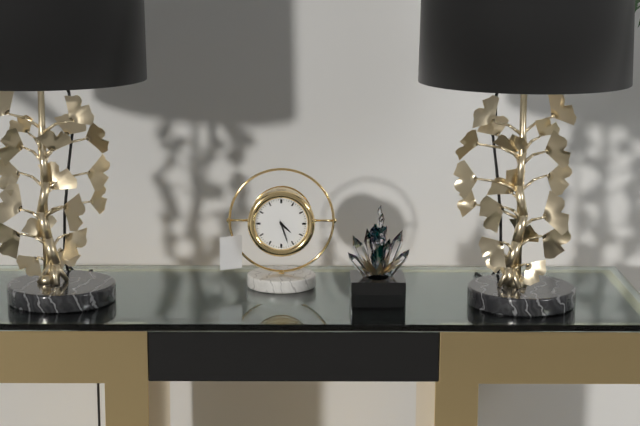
4,27
